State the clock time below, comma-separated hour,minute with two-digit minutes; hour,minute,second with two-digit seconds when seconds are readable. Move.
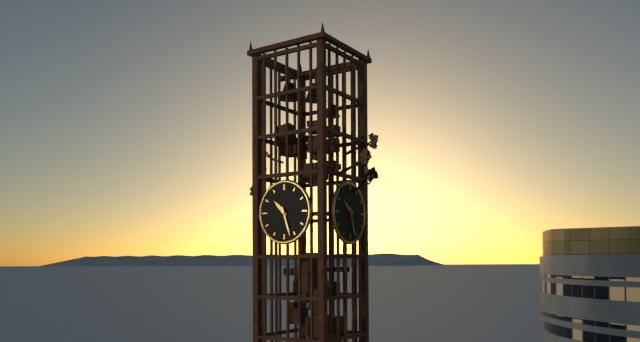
10,27
